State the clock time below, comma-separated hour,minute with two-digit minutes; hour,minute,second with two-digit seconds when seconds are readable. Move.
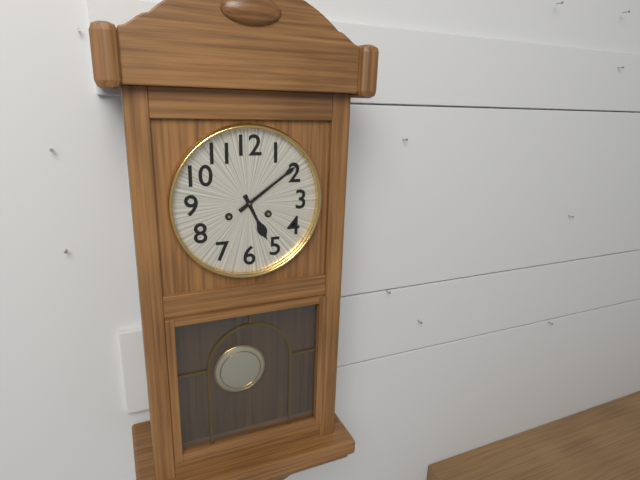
5,09
